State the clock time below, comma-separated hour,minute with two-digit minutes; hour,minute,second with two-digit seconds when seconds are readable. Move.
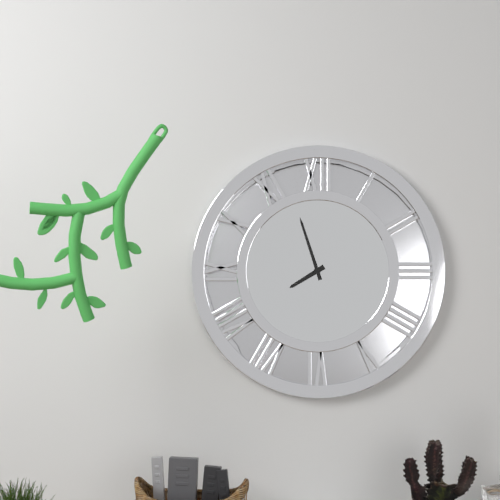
7,57
